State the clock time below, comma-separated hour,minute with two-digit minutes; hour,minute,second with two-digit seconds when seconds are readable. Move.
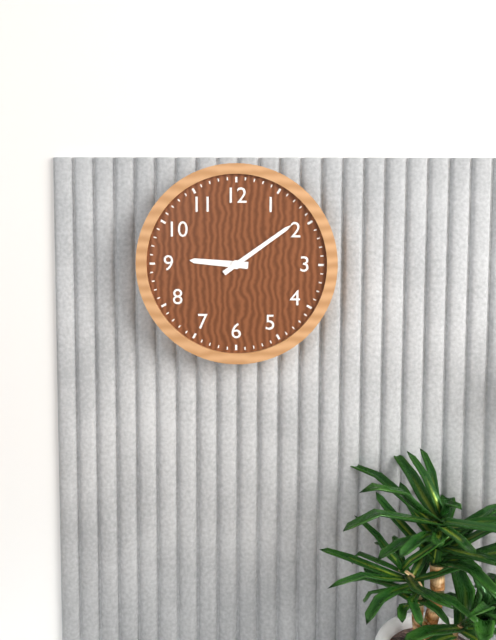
9,09
